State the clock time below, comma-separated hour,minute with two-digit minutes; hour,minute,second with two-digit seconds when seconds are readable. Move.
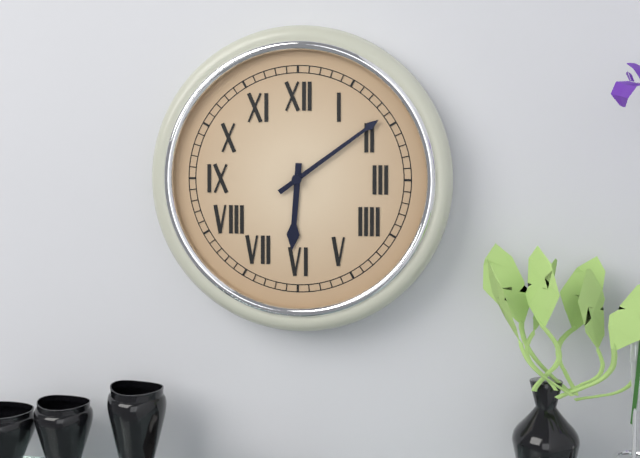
6,09
